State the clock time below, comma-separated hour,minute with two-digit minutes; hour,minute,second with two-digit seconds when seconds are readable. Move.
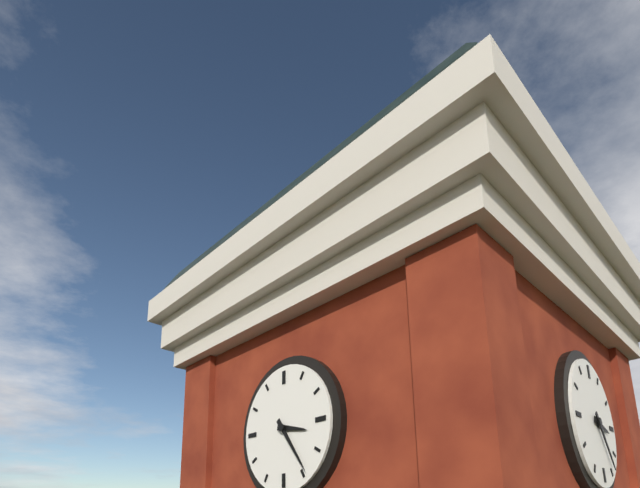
3,24
